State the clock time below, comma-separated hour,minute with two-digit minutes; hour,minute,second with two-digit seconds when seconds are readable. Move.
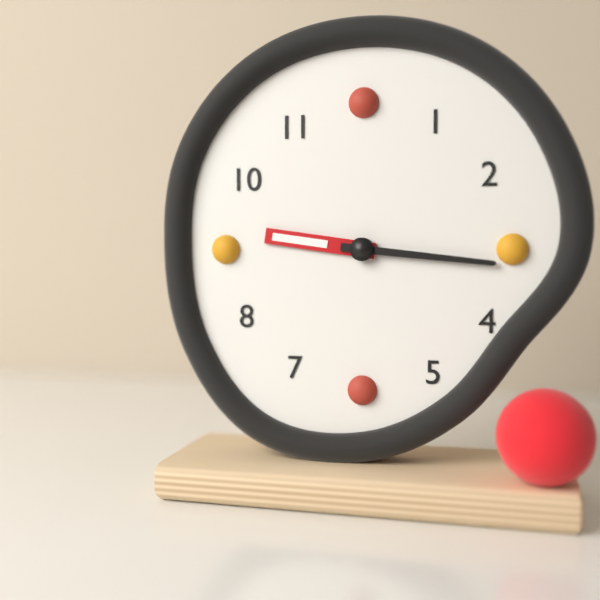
9,16
